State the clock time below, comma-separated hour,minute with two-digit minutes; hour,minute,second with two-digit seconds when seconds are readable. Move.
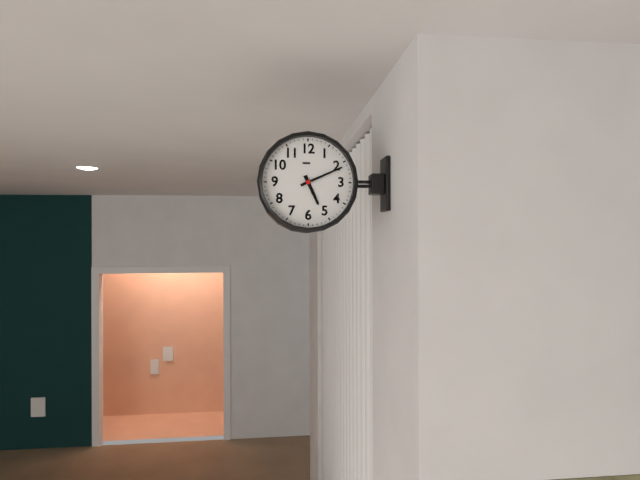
5,11
